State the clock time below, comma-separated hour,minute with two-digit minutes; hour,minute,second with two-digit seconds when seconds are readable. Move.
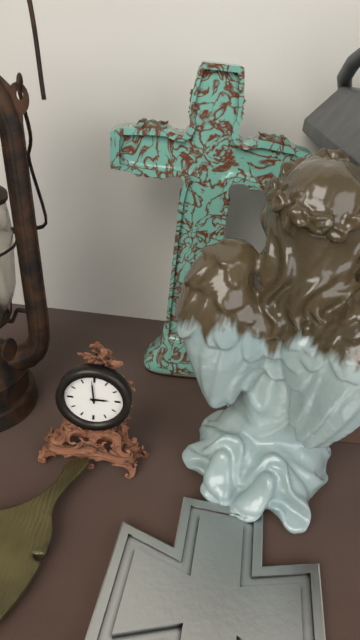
2,59
